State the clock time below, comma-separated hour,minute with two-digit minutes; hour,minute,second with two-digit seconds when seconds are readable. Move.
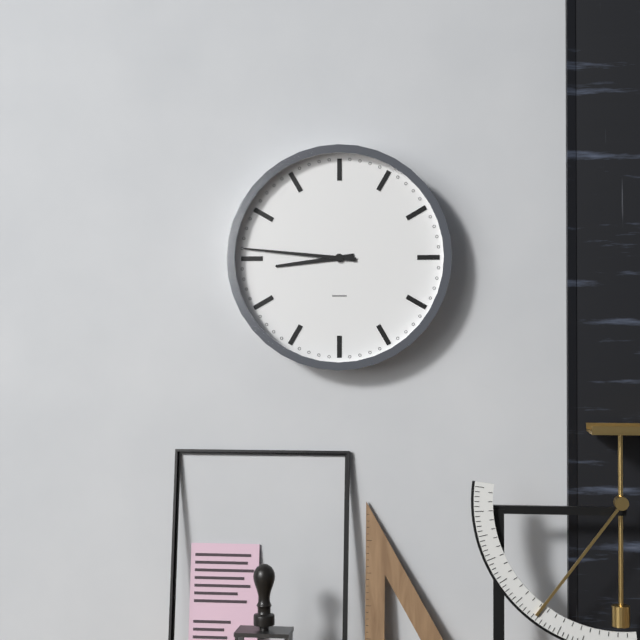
8,46
